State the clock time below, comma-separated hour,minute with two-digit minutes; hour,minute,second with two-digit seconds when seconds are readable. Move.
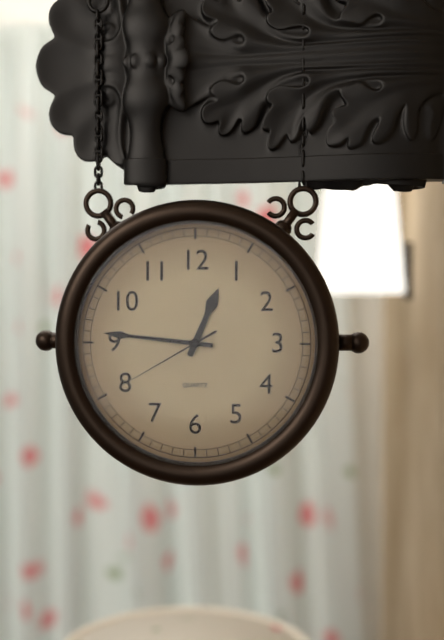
12,46,40
